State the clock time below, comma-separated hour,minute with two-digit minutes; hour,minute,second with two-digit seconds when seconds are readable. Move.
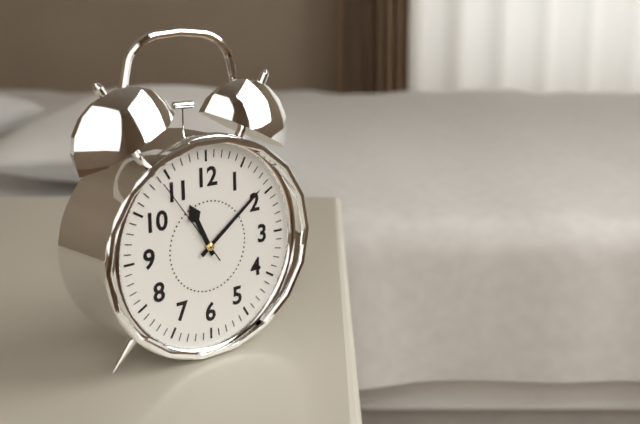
11,09,54
